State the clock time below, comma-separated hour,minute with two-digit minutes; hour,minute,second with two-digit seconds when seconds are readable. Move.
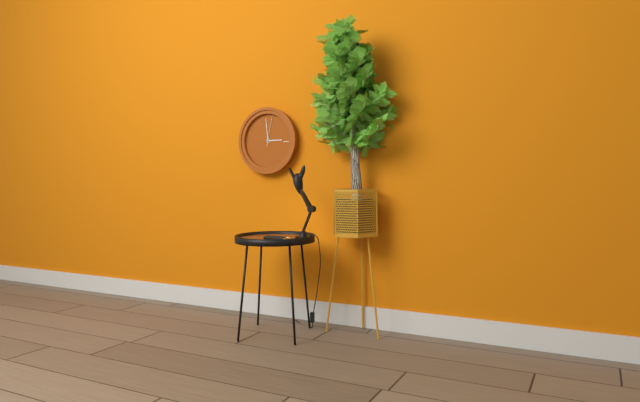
2,59
